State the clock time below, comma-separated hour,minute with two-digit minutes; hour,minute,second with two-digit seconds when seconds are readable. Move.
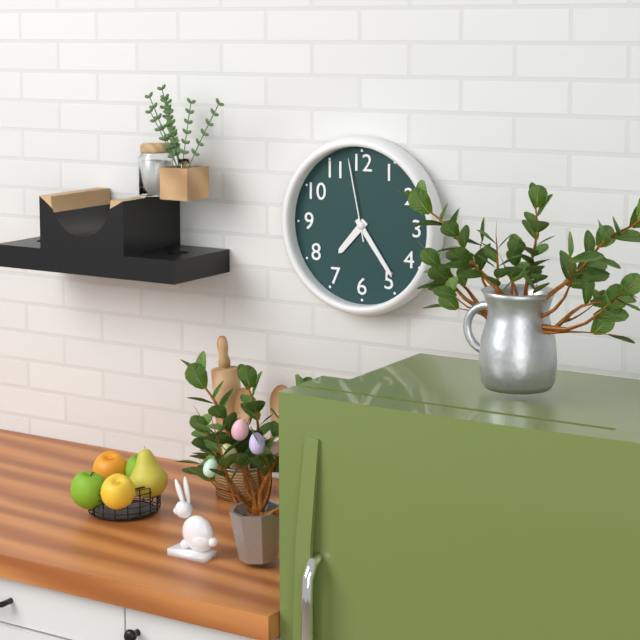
7,24,58
